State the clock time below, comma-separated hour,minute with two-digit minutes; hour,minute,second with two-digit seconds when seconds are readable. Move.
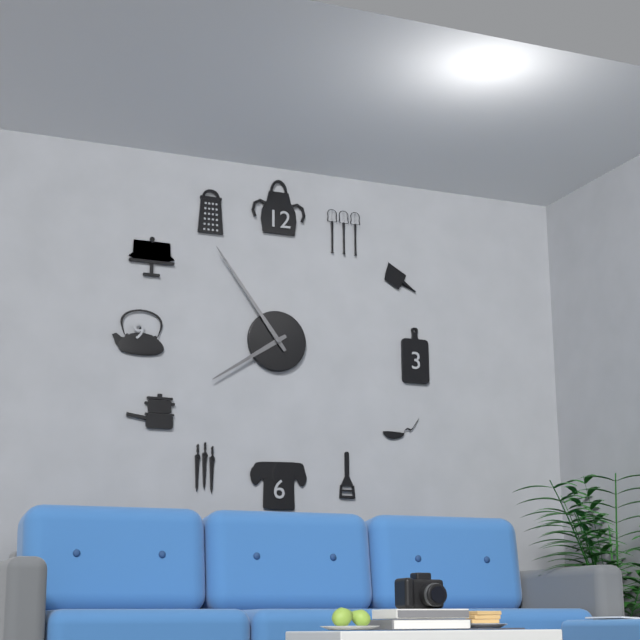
7,54
